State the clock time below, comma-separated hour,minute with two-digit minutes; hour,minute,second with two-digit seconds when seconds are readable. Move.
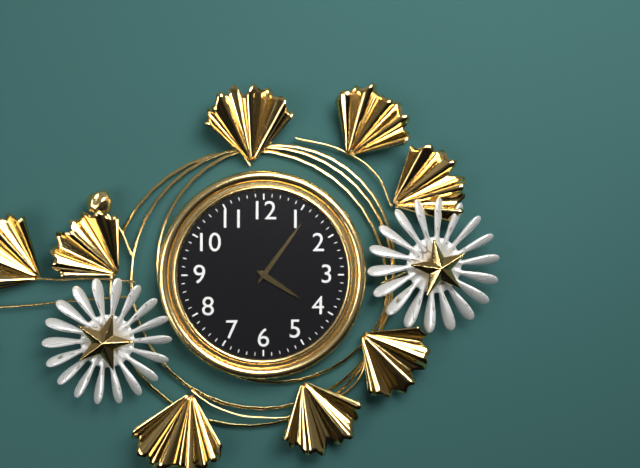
4,06
